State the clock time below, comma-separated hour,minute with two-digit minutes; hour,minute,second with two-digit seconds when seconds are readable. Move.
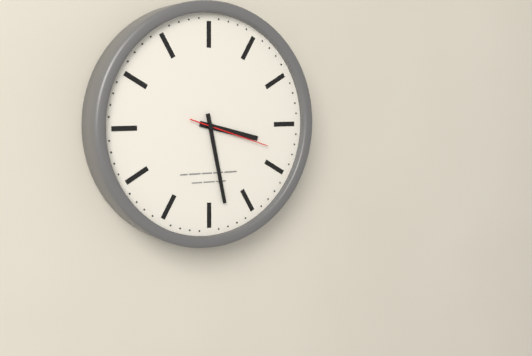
3,28,18
